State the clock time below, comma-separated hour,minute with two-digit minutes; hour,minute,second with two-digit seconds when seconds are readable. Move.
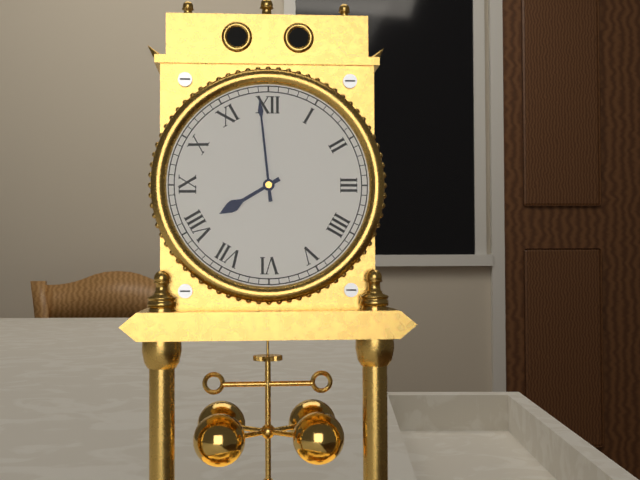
7,59
